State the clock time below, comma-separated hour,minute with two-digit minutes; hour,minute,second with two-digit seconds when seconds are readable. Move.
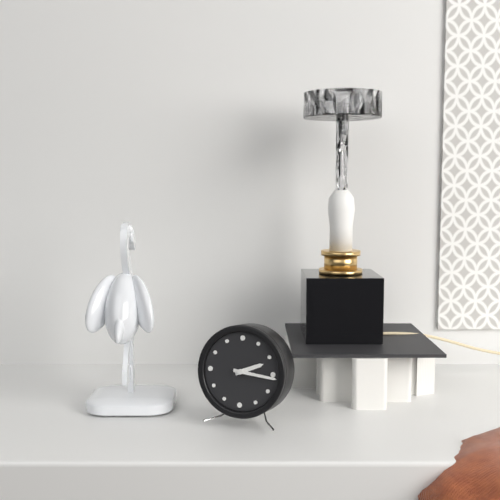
2,16
